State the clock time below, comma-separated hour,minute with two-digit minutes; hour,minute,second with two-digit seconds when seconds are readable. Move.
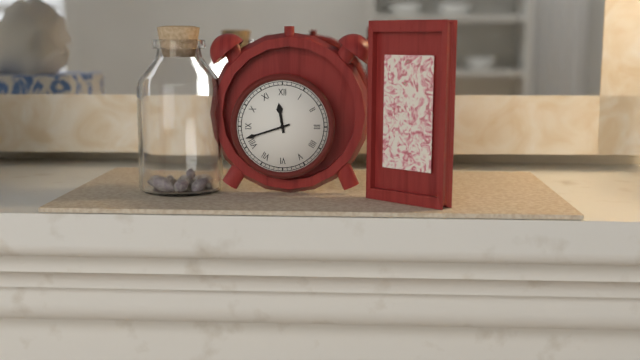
11,42
